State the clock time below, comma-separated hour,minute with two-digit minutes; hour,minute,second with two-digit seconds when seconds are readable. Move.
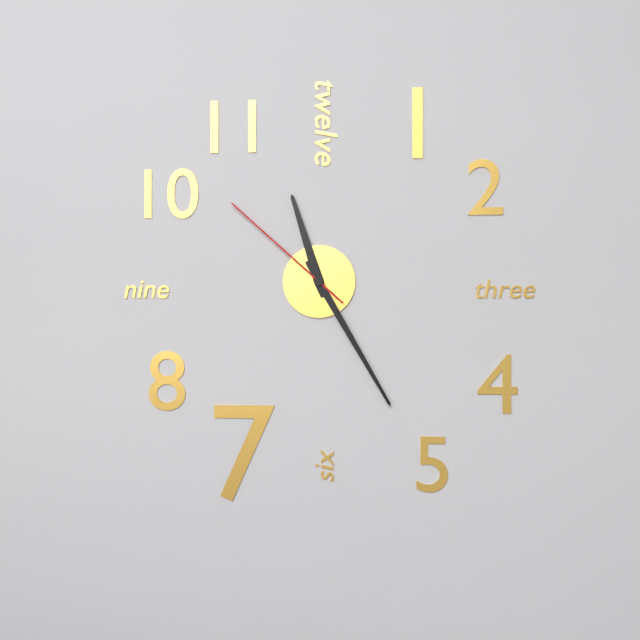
11,25,52
